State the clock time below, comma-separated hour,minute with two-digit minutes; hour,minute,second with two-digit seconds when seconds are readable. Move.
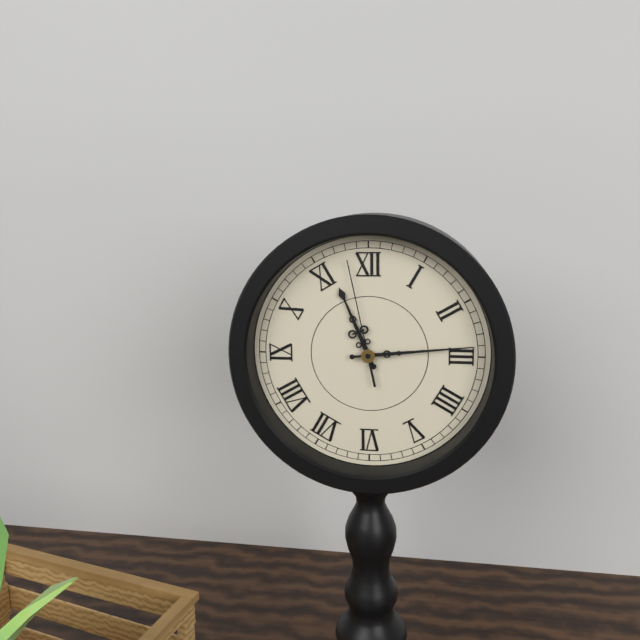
11,14,58
